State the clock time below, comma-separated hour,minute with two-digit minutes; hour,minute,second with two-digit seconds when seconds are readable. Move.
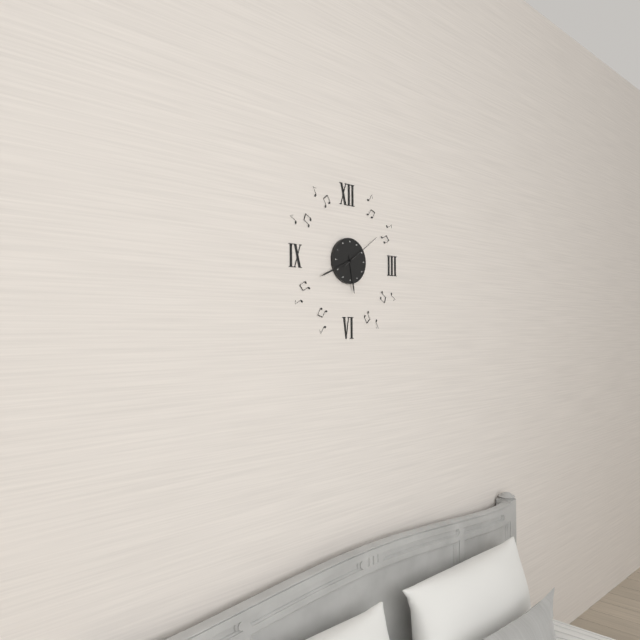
5,41
